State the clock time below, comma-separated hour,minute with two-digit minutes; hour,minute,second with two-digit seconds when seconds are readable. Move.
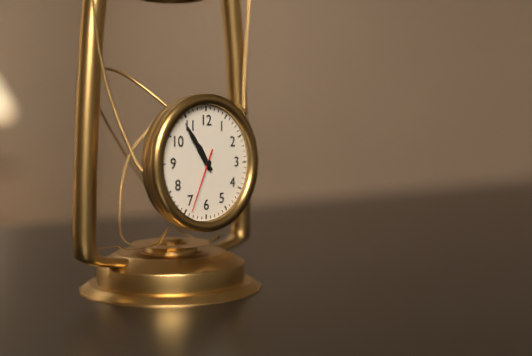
10,54,34
